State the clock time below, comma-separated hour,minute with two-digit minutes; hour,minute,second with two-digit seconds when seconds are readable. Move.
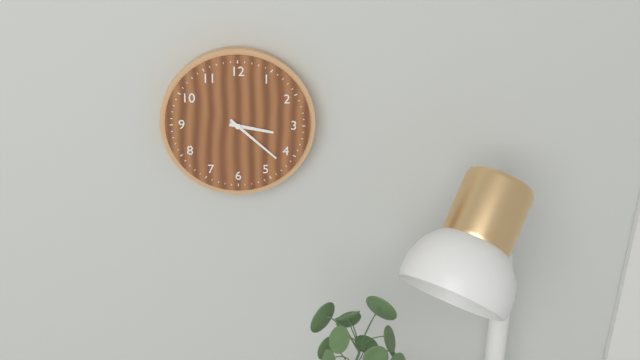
3,22
